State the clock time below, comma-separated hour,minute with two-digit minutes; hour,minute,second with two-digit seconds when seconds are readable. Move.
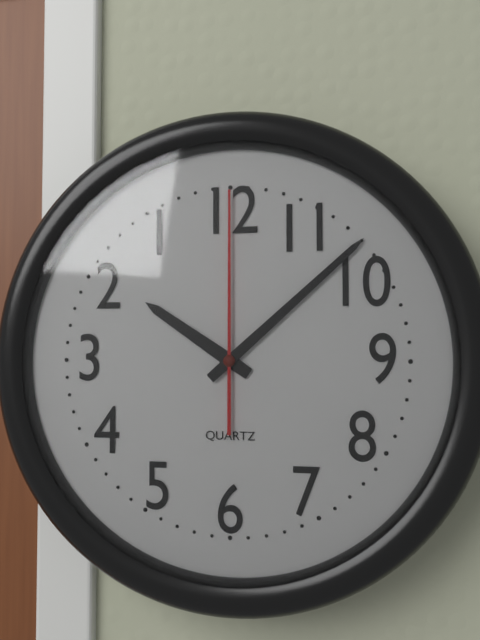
10,08,00
